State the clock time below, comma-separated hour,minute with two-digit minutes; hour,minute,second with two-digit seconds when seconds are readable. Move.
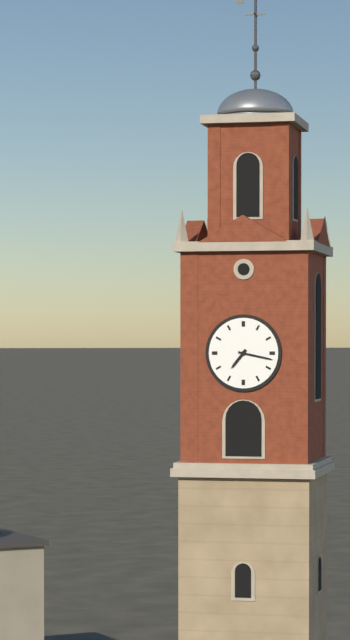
7,17
